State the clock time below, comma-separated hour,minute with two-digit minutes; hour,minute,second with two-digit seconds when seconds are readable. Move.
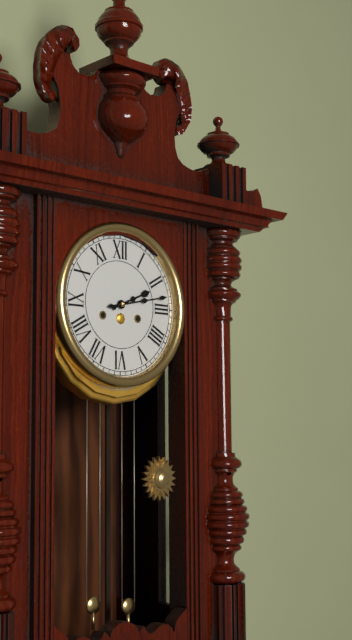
2,13
